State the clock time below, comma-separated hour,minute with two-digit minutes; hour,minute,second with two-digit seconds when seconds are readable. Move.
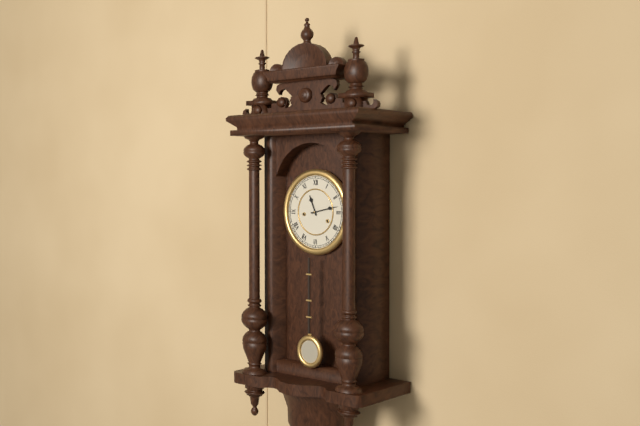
11,13
